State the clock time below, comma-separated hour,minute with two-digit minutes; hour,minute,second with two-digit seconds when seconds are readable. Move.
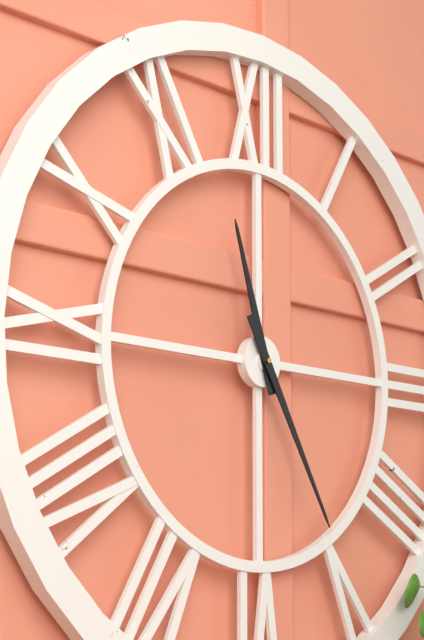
11,25
